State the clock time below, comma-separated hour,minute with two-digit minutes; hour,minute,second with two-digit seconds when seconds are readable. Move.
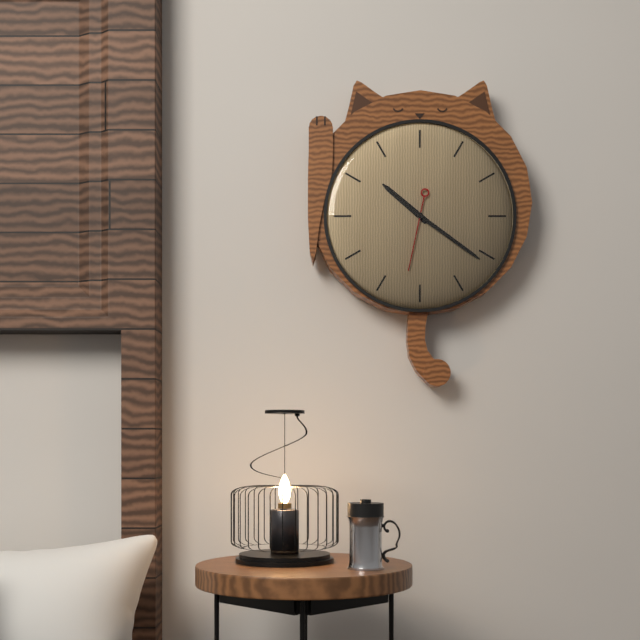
10,21,32
